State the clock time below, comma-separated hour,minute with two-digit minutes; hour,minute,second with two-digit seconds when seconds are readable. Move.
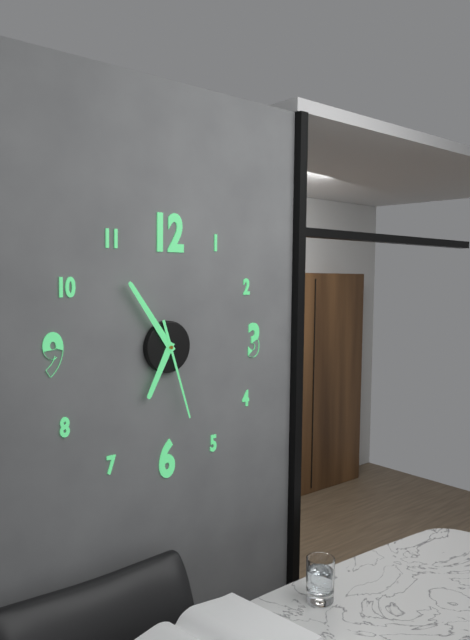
6,54,27
